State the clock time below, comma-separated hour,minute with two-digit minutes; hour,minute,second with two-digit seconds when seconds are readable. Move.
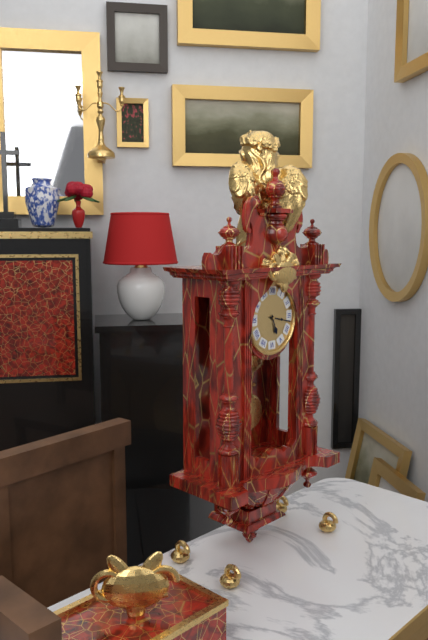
5,17
